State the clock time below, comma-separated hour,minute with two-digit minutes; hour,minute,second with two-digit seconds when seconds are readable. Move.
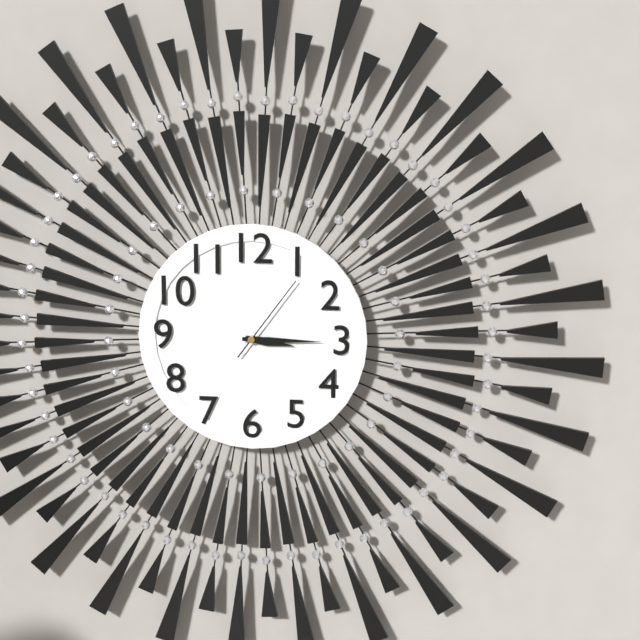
3,15,06
